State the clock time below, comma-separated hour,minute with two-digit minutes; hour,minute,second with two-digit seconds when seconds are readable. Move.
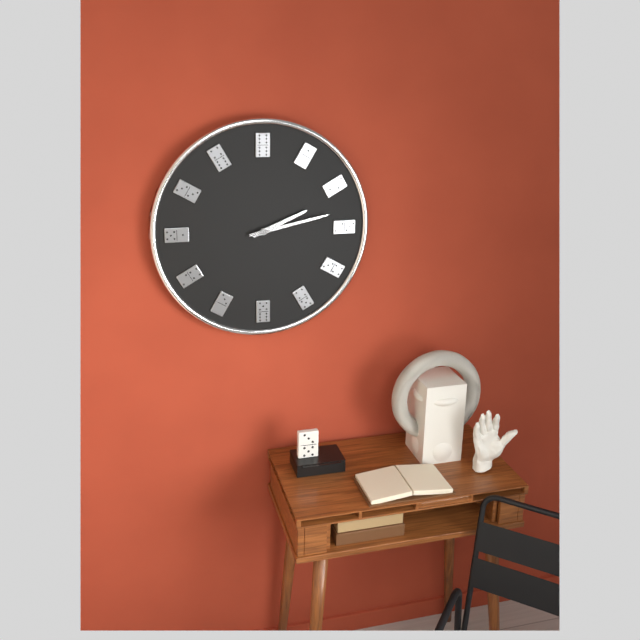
2,13
